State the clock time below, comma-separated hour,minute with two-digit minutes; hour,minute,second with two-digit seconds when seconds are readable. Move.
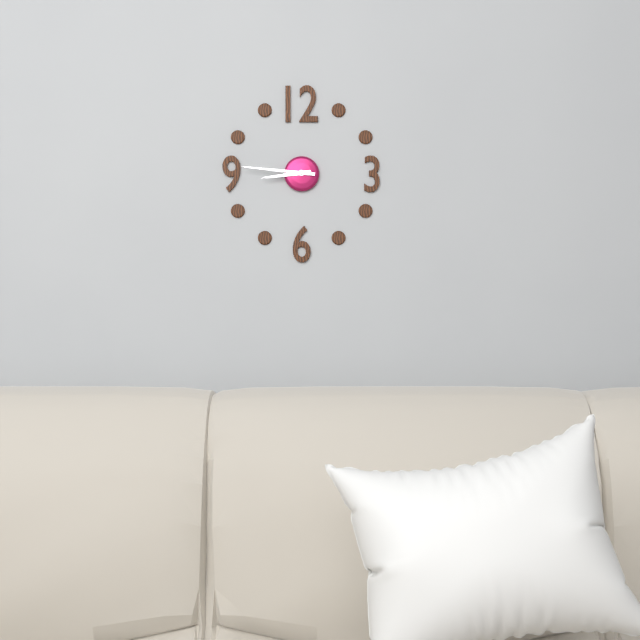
8,46
